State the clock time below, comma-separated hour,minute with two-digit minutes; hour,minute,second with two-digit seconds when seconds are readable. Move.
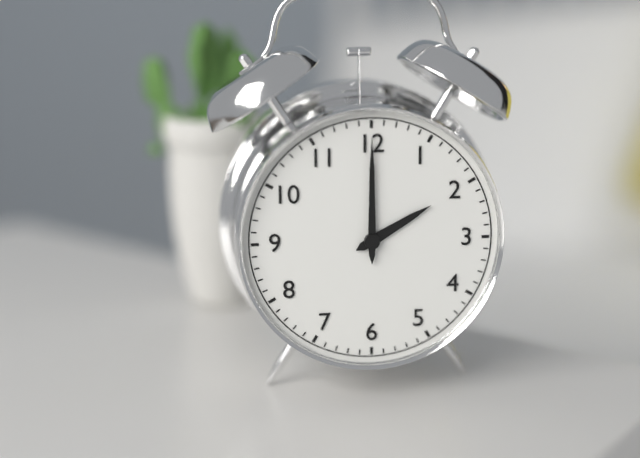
2,00
